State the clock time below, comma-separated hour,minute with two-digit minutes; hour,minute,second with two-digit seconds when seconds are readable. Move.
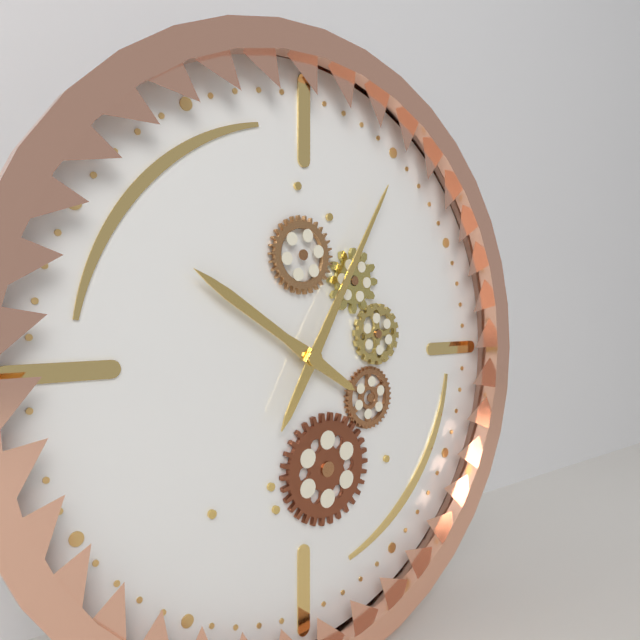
10,05
